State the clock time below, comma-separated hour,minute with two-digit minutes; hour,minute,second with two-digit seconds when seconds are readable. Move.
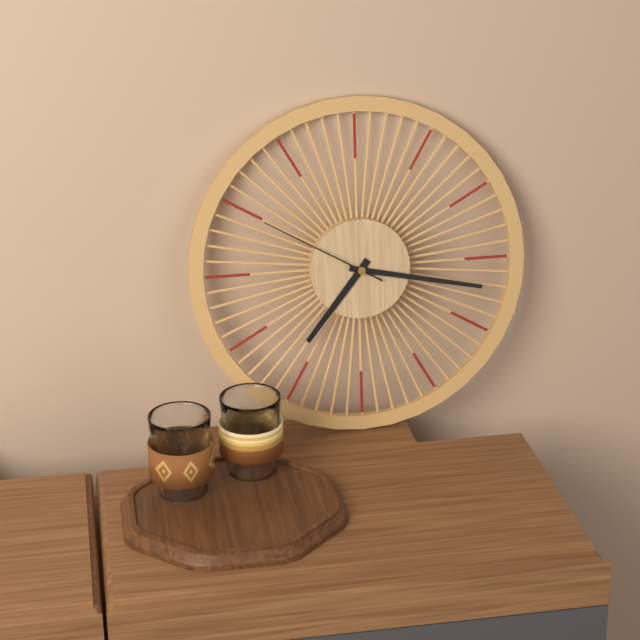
7,17,50
